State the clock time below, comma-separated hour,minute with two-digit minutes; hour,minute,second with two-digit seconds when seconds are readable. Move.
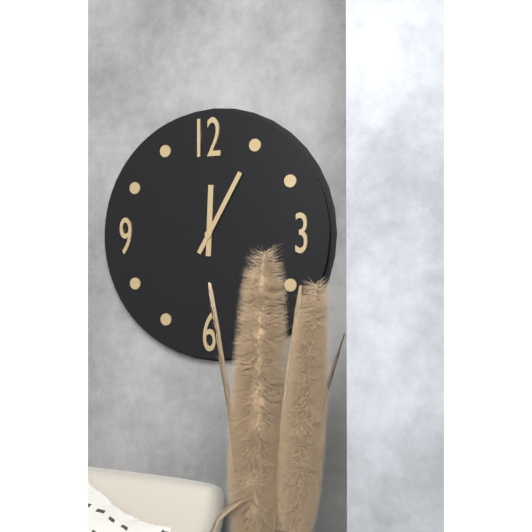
12,05
